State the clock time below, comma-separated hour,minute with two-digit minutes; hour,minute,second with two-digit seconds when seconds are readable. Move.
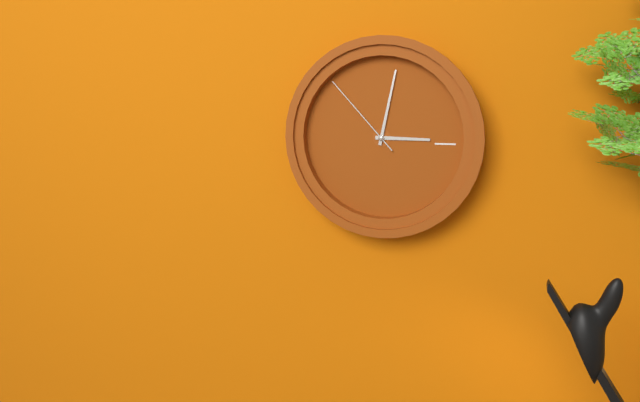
3,02,53
